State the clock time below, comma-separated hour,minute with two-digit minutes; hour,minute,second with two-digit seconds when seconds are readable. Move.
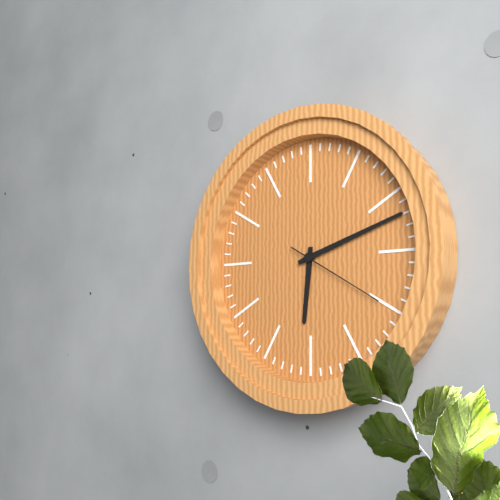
6,12,20
